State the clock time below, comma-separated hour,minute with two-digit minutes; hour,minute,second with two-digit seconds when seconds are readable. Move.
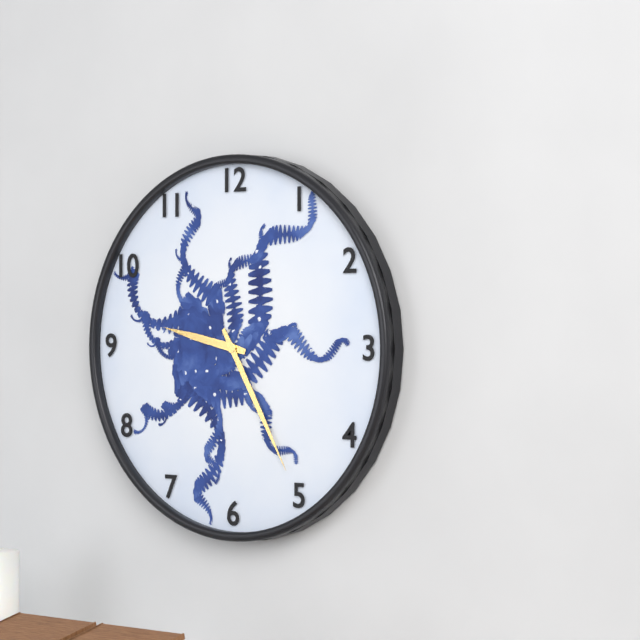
9,25
